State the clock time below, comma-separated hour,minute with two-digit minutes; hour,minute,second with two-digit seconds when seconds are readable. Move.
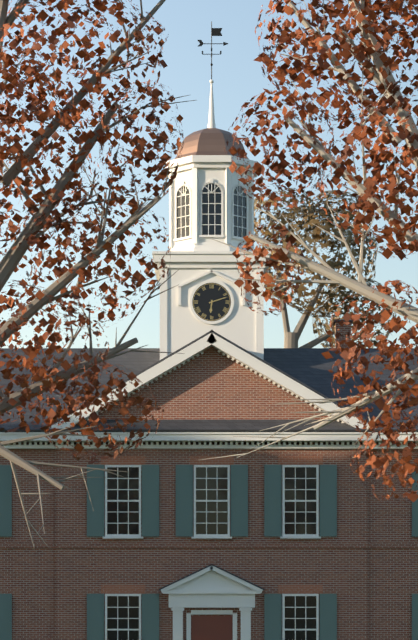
6,12
